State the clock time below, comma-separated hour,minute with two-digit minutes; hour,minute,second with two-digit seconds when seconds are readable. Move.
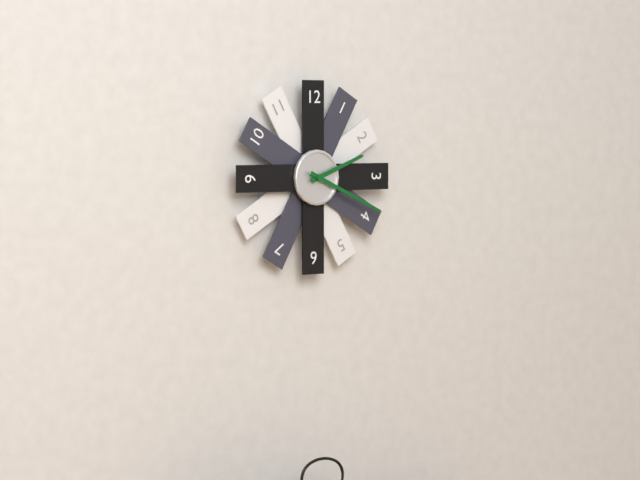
2,19
